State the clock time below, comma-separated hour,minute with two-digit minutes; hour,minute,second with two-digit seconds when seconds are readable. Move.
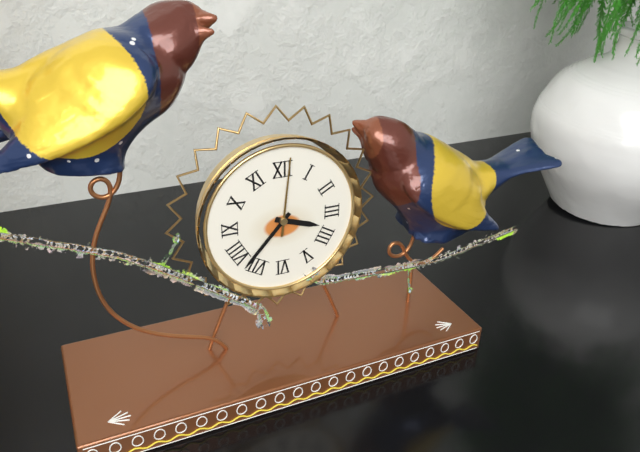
3,37,01
